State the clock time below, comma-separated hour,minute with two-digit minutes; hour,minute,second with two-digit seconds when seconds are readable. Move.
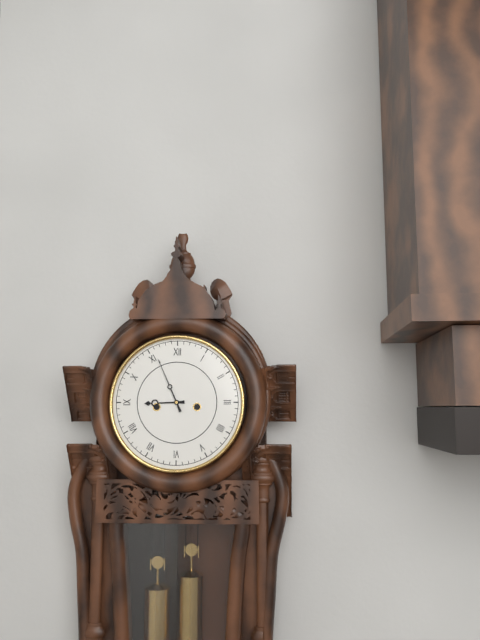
8,56
